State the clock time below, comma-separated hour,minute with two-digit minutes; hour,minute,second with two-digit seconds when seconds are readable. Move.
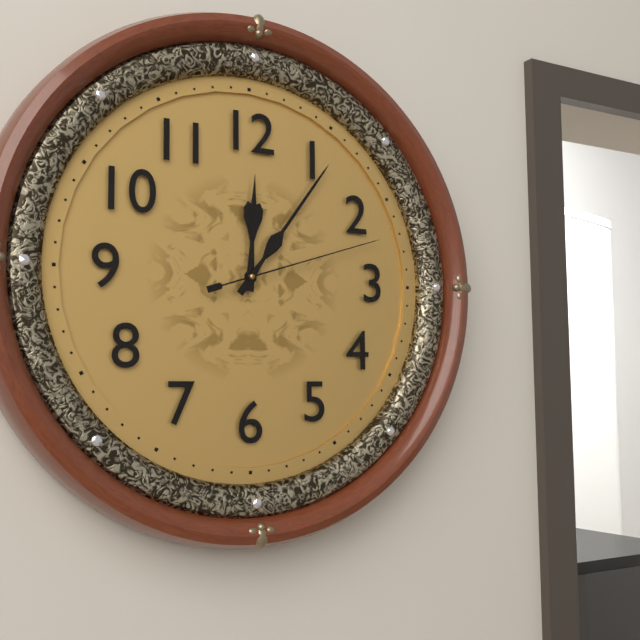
12,06,12
